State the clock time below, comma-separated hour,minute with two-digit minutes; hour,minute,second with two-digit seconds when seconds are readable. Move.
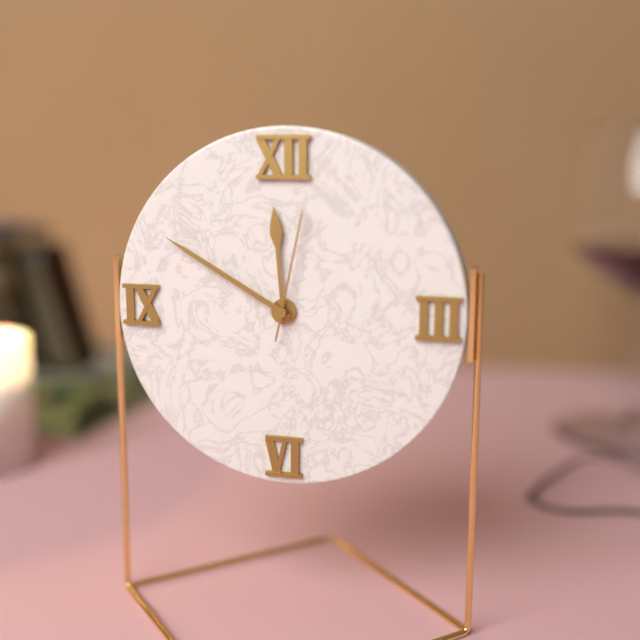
11,50,02
